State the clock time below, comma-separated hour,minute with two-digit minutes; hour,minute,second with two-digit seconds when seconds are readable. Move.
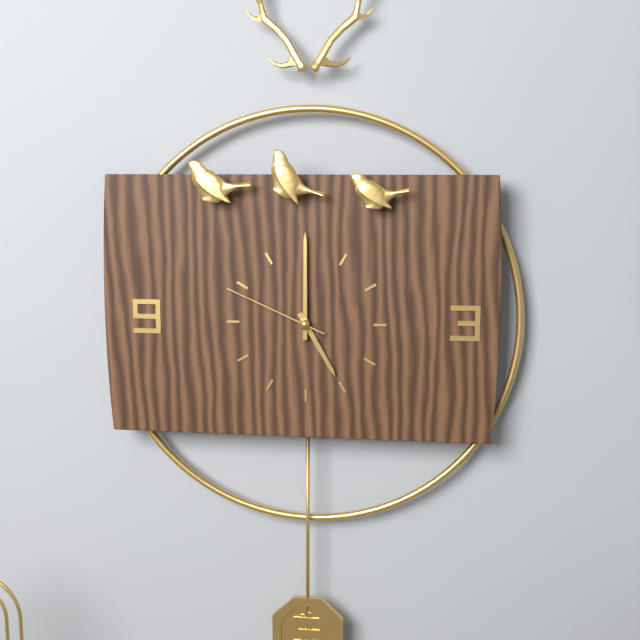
5,00,49
